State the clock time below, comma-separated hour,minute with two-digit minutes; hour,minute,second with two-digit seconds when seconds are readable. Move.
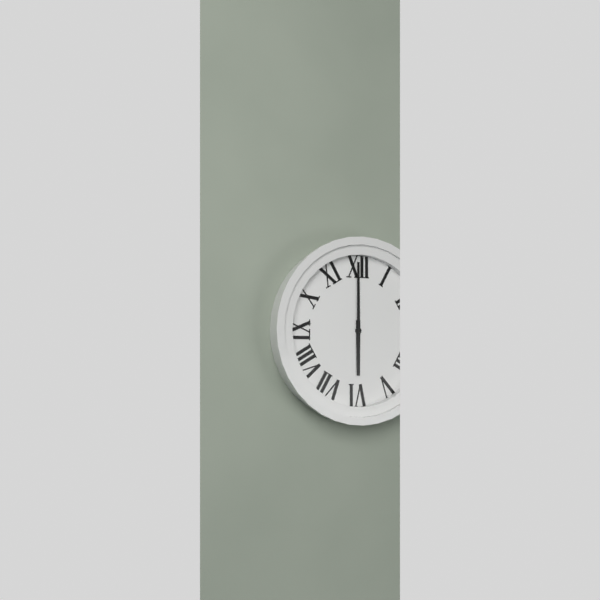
6,00
